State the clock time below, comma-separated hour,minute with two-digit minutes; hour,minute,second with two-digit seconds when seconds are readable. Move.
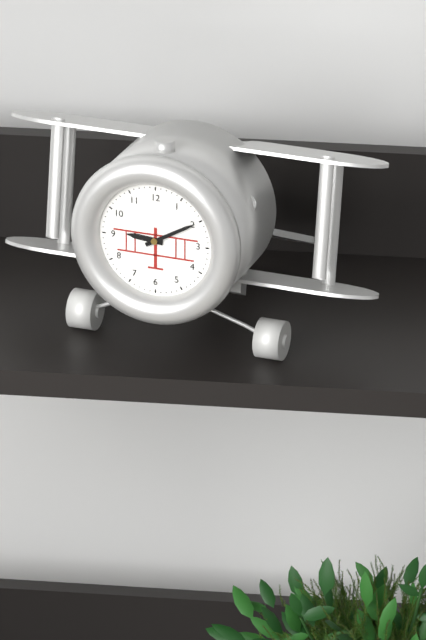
9,10
